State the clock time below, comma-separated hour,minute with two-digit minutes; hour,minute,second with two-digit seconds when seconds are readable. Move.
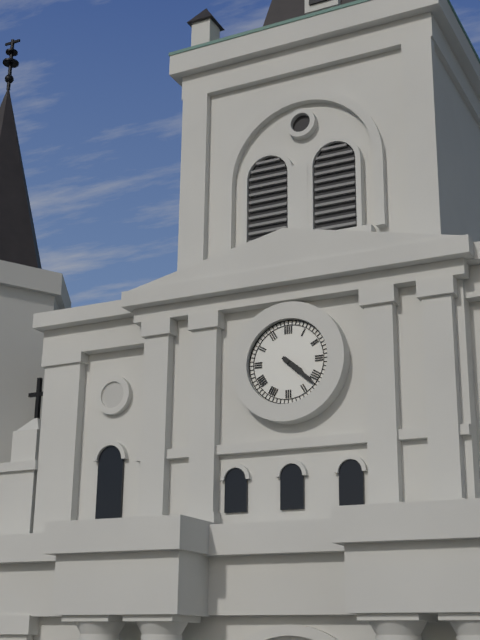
4,22
